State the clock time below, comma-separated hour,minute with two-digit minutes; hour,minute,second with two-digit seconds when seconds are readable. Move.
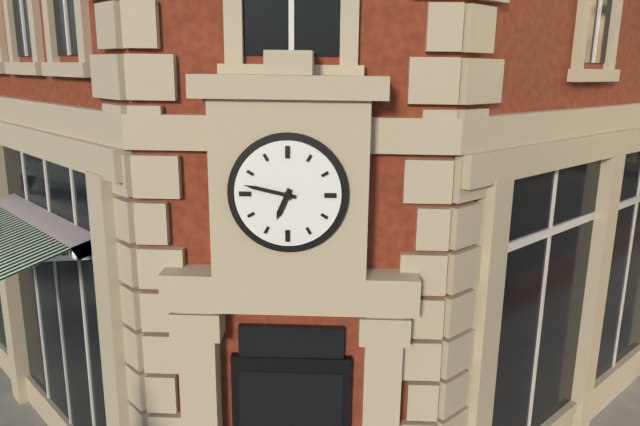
6,47
